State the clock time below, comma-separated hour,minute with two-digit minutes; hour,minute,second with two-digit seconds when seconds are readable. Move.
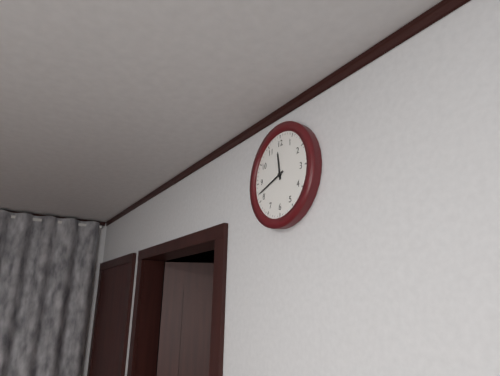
11,42
